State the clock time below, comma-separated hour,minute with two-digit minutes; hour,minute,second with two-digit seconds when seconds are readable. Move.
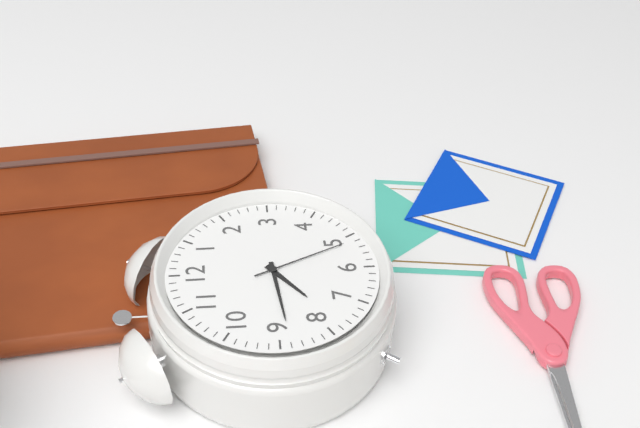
7,44,26
